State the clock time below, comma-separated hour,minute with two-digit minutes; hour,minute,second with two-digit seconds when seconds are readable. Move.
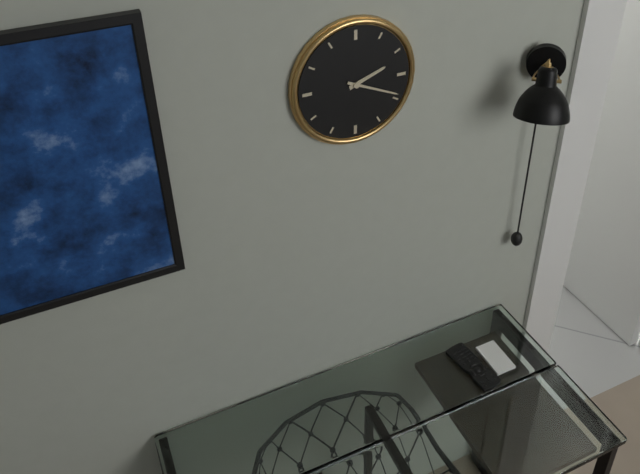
2,19
